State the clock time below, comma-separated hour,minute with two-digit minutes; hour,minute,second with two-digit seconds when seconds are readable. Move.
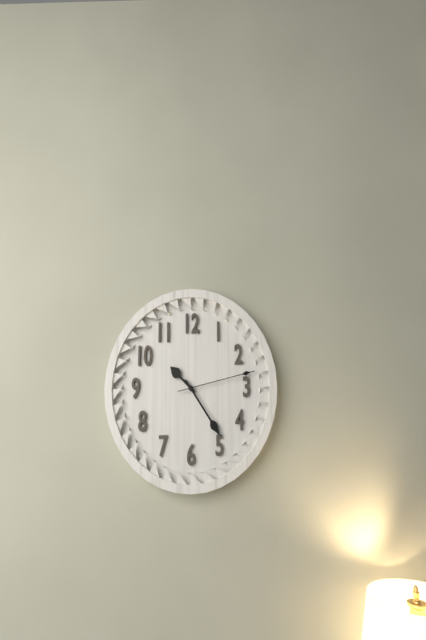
10,24,13
